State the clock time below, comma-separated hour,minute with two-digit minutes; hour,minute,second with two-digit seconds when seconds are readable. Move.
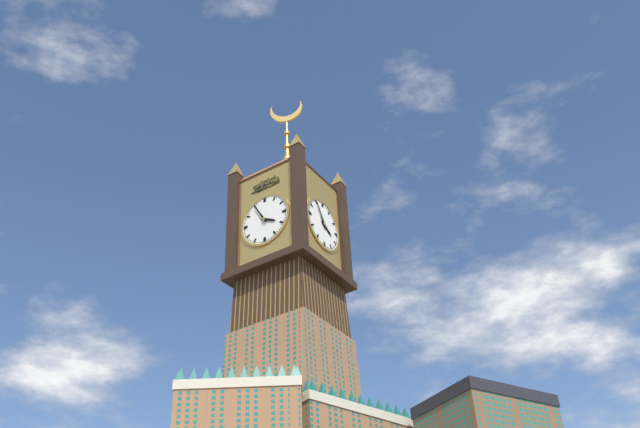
3,55
